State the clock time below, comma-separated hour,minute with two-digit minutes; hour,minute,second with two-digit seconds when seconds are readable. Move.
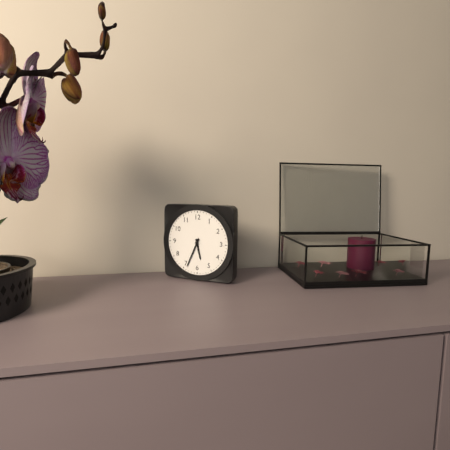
5,34
